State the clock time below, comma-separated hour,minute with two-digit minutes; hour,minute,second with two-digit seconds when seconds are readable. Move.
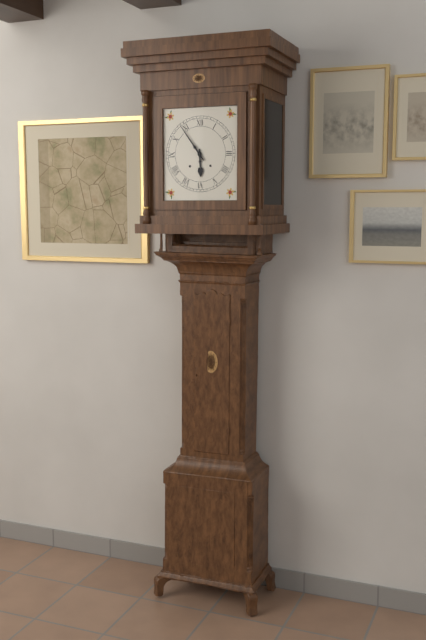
5,54
